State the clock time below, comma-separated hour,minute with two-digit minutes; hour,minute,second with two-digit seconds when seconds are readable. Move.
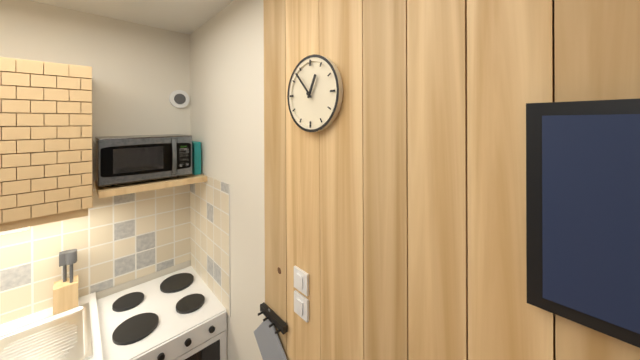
12,53
